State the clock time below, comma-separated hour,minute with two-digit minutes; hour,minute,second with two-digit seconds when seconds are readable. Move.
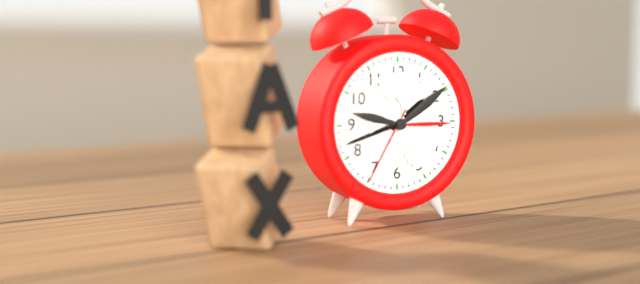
1,42,35
